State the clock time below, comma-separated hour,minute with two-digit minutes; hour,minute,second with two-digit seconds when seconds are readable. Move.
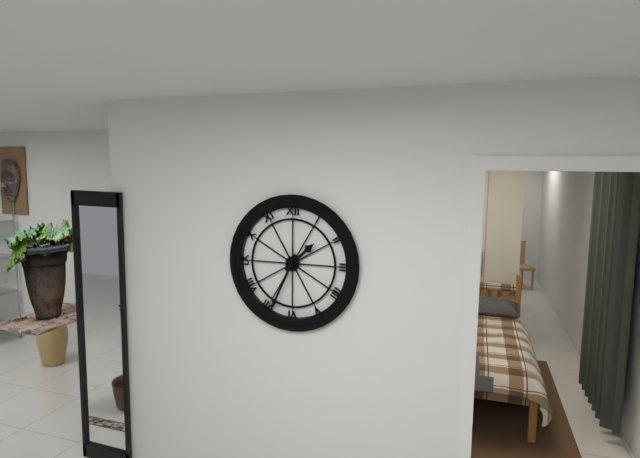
1,34
